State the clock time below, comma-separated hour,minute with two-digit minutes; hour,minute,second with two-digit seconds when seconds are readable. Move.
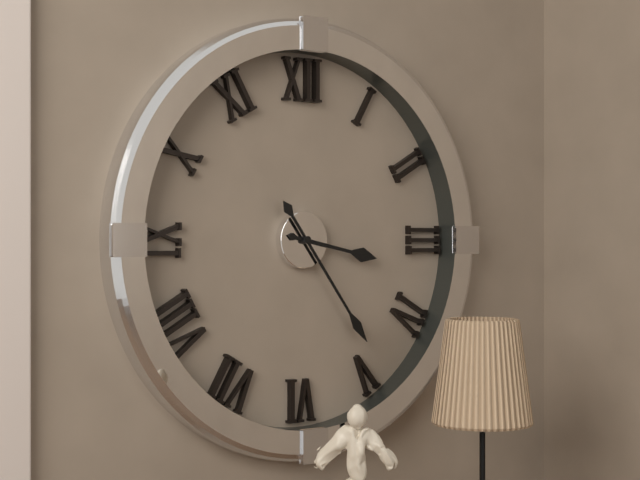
3,24
